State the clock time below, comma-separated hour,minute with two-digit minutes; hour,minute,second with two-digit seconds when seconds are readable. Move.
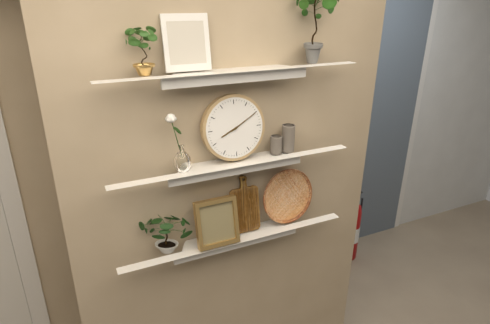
8,10
